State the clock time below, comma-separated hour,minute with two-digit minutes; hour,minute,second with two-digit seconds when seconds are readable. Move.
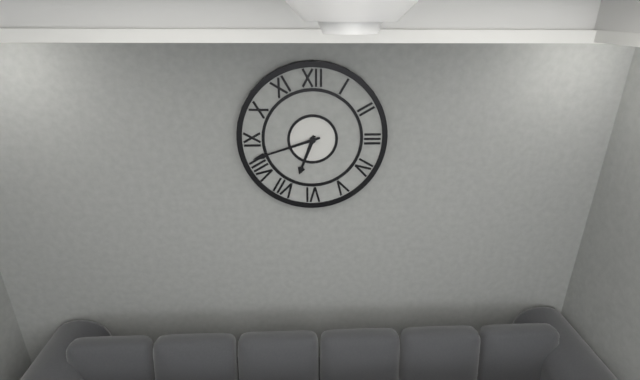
6,42
